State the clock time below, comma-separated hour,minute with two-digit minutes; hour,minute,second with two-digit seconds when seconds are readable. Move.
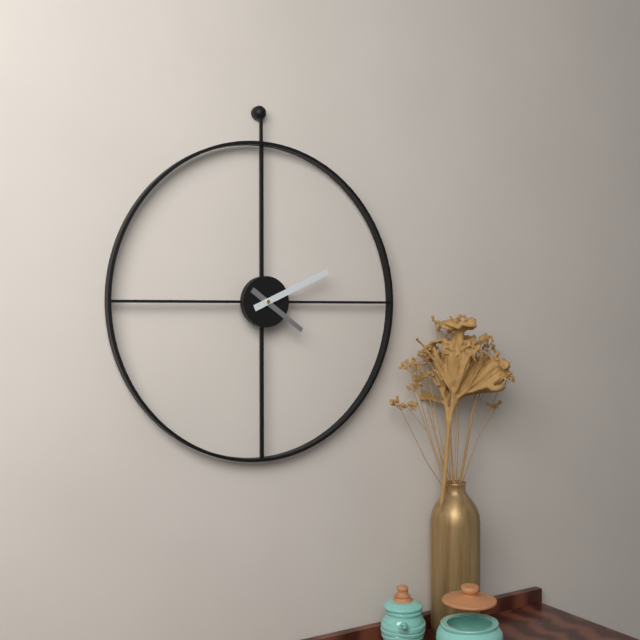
4,11
